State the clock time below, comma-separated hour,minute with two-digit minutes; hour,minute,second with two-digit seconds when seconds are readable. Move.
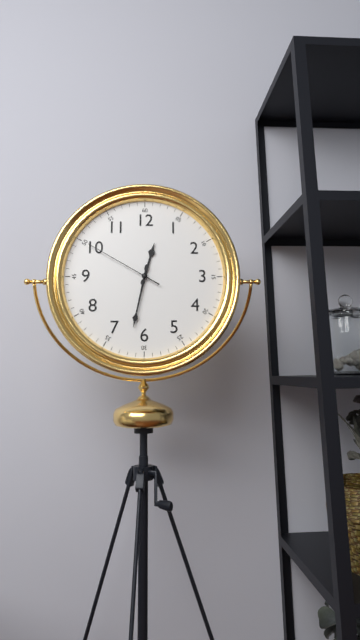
12,32,50
